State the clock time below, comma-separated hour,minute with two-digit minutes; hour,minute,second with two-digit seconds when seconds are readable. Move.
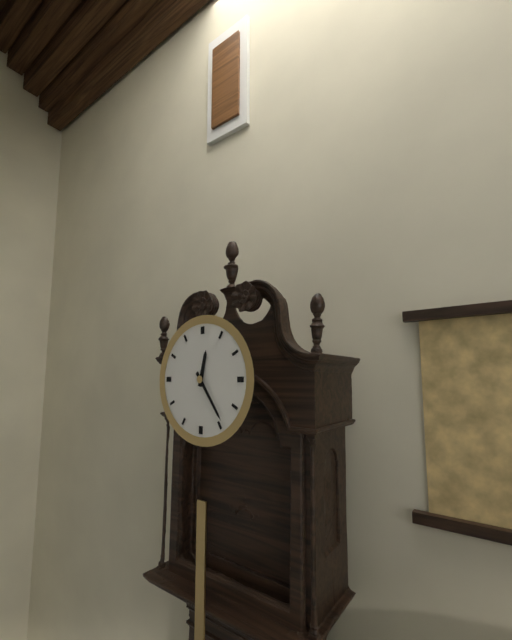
12,24
